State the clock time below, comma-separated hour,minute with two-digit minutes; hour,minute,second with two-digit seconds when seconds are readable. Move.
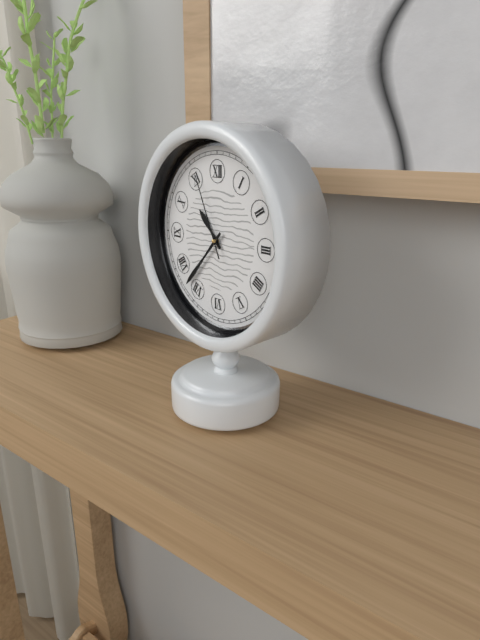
10,37,56
